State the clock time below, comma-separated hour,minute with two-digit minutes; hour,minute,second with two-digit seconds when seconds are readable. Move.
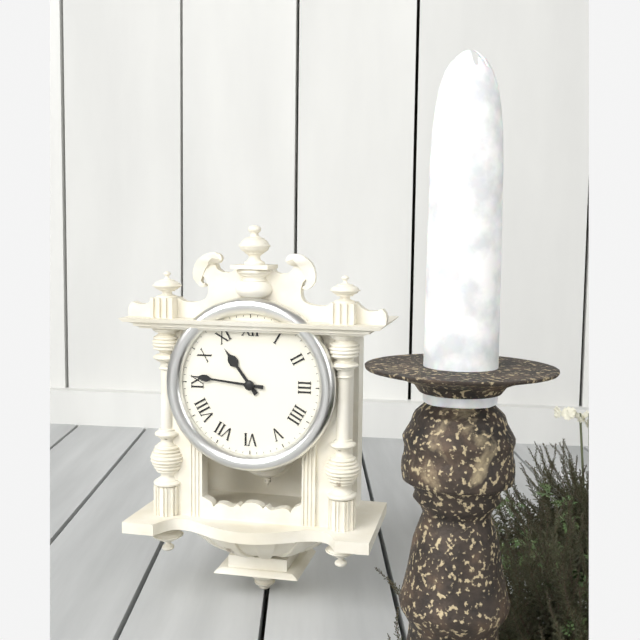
10,46
